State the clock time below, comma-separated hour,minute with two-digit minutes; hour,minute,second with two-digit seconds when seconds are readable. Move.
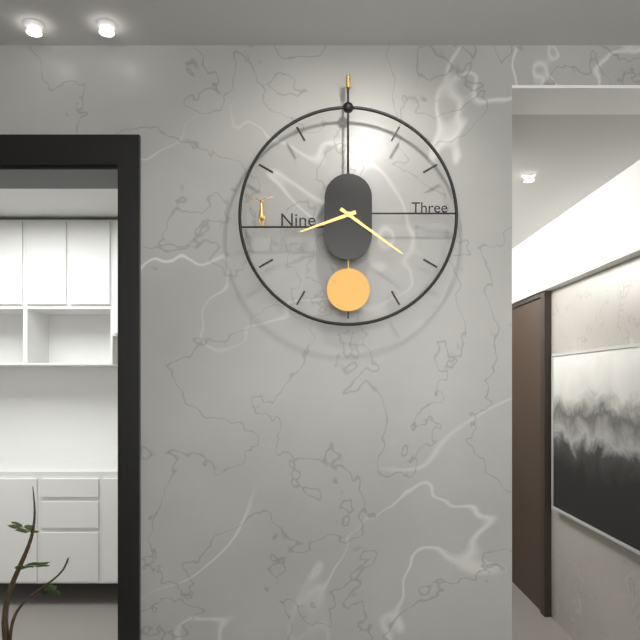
8,21
